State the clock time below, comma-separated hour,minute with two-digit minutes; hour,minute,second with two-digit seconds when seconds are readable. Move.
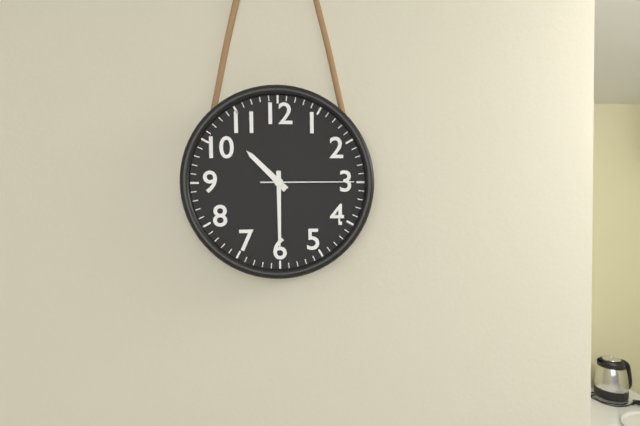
10,30,15
